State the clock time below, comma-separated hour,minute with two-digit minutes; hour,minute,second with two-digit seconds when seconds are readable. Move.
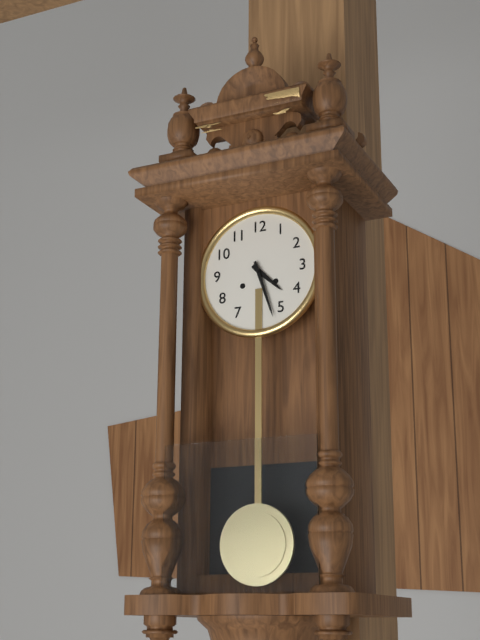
4,27
